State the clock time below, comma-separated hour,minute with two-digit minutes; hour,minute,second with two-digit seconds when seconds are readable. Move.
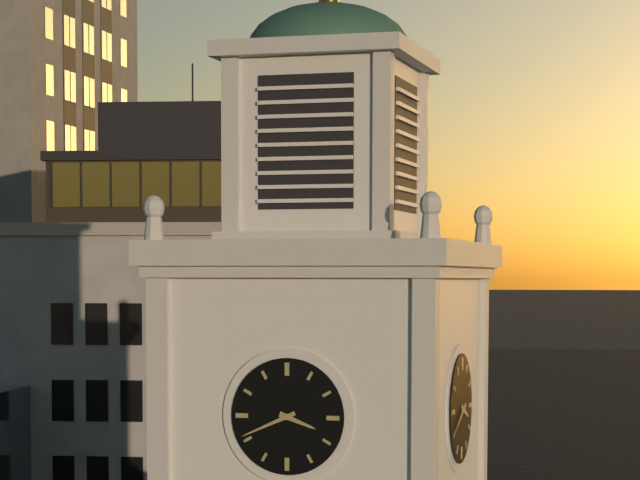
3,41
